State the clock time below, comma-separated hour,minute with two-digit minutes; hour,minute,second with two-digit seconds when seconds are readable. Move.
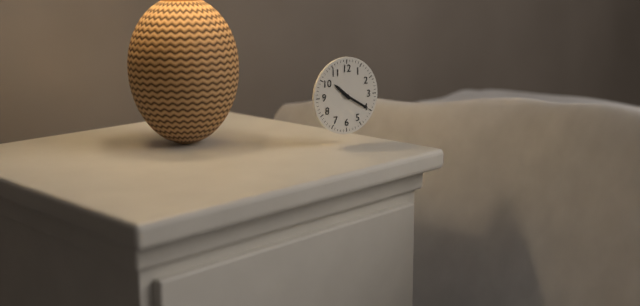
10,20
